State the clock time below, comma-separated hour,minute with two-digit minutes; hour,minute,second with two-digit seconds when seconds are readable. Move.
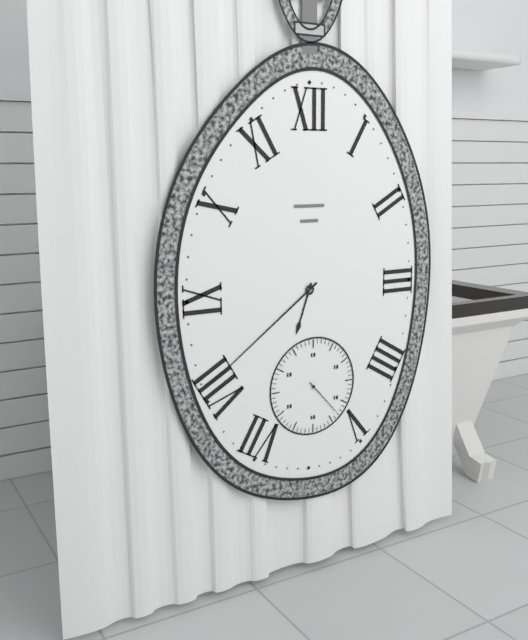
6,39
